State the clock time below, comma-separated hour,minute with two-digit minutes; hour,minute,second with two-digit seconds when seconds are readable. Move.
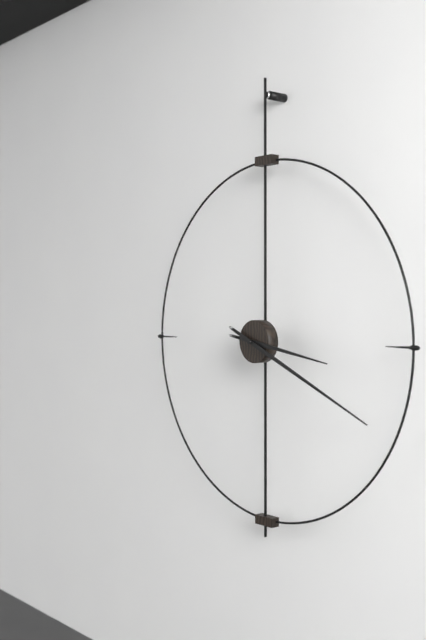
3,19
